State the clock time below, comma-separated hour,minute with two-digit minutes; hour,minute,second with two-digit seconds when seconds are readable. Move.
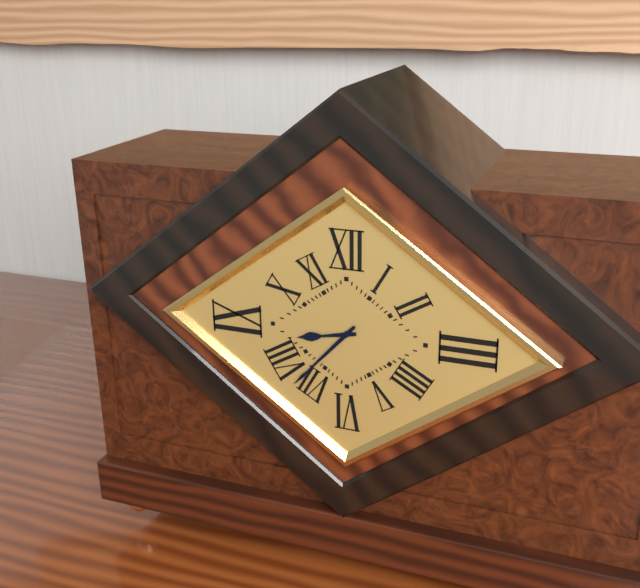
8,37
